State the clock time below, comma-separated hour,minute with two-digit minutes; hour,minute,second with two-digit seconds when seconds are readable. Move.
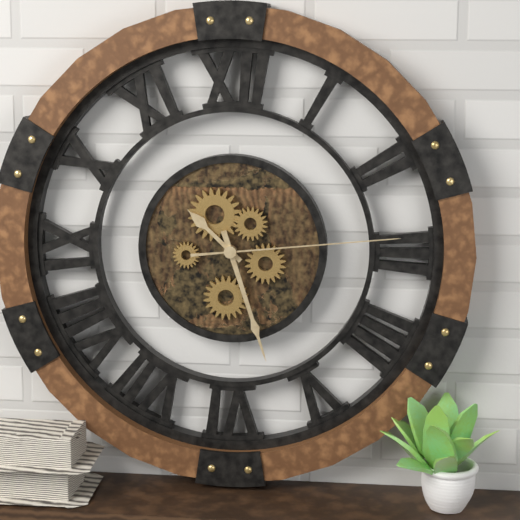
10,27,14
